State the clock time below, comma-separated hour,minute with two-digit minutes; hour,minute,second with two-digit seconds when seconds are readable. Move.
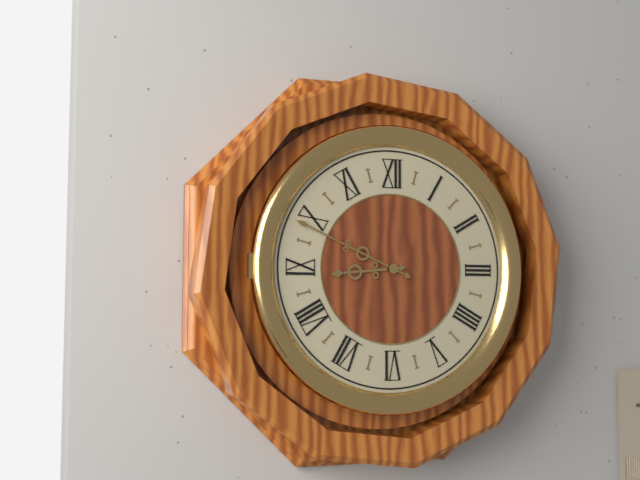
8,49
